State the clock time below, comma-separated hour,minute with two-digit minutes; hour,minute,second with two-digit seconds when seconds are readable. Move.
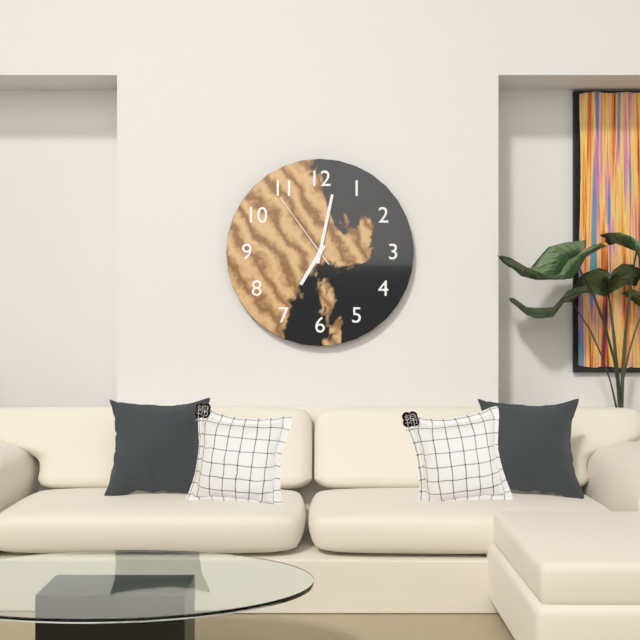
7,02,54
